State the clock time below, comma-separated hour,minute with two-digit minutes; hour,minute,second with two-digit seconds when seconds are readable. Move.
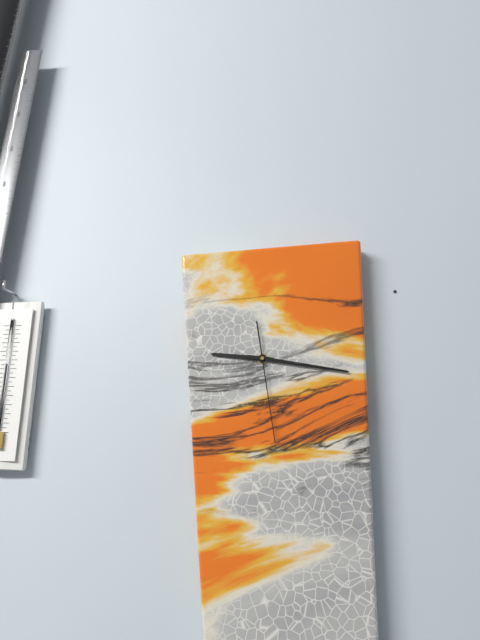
9,17,29
